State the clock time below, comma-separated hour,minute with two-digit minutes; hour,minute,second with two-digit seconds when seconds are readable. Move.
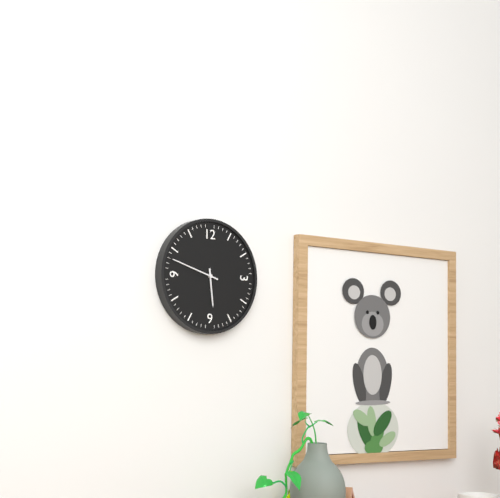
5,48
